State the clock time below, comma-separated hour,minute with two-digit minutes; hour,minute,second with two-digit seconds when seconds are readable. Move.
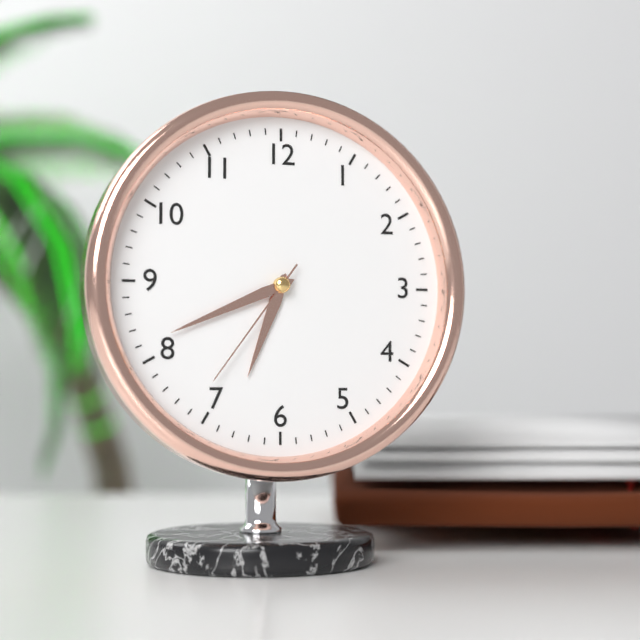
6,41,36
